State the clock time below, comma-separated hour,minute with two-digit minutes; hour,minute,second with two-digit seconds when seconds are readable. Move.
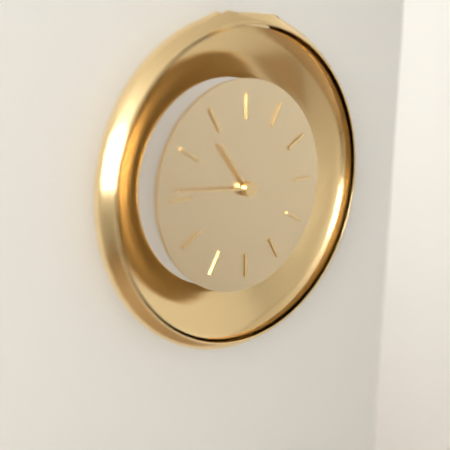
10,46
